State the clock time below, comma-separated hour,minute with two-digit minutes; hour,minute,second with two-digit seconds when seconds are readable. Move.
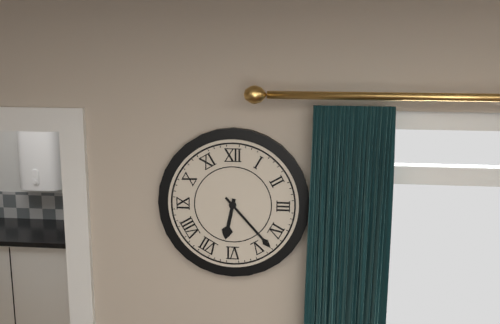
6,23
